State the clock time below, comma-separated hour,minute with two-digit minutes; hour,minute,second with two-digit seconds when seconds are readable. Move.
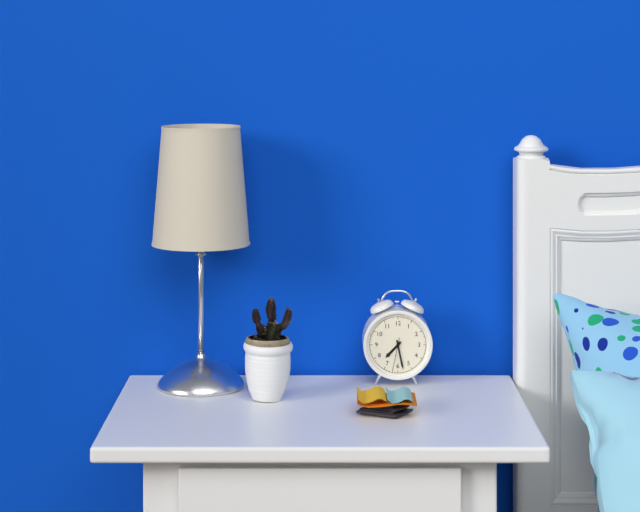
7,28
